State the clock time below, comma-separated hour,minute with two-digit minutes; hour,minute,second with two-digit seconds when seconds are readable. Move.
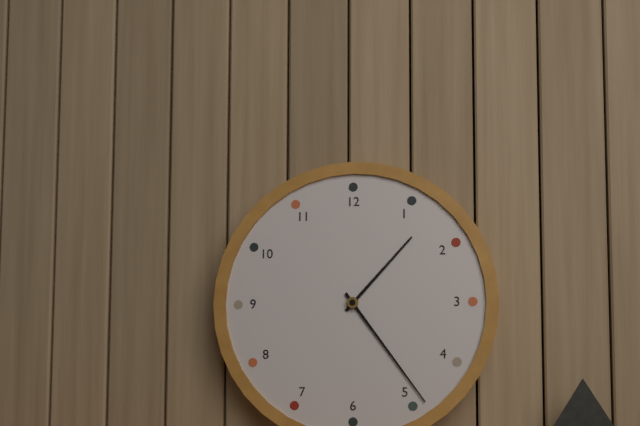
1,24
